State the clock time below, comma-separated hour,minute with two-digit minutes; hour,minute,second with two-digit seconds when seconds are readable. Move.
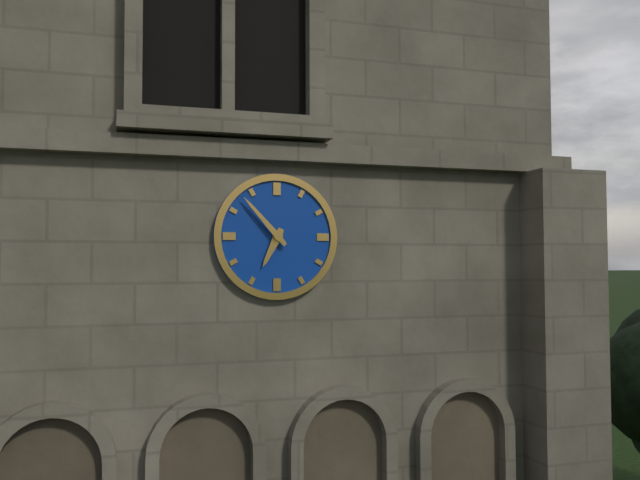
6,53
